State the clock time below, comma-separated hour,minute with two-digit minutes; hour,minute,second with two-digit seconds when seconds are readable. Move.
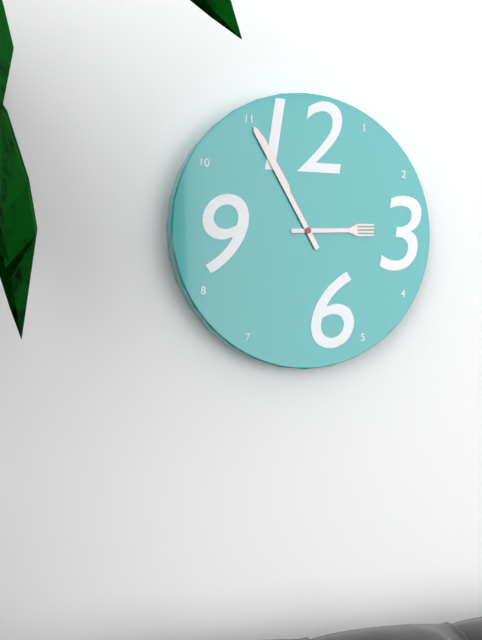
2,55
